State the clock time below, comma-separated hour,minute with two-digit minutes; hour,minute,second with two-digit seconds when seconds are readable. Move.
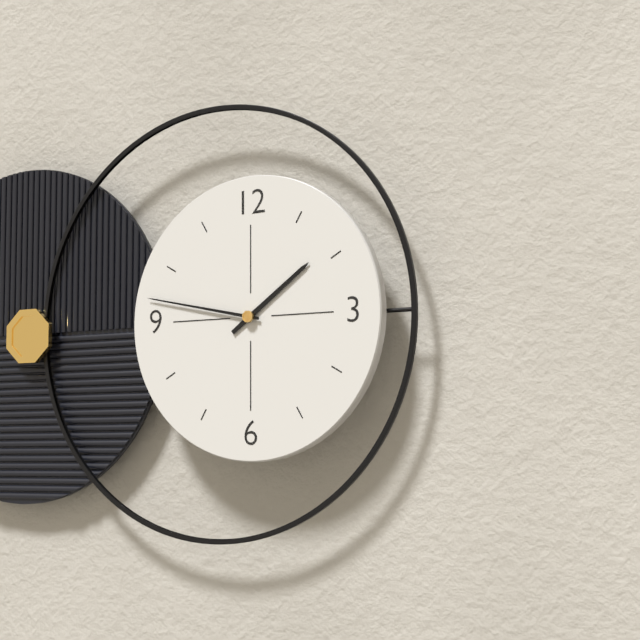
1,47
